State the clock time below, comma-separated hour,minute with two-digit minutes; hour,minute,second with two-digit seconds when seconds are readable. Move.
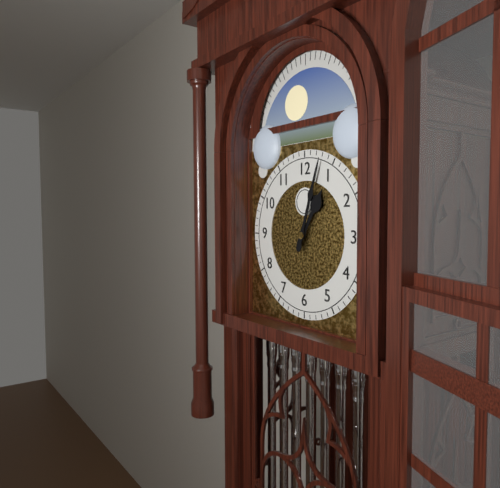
1,03
